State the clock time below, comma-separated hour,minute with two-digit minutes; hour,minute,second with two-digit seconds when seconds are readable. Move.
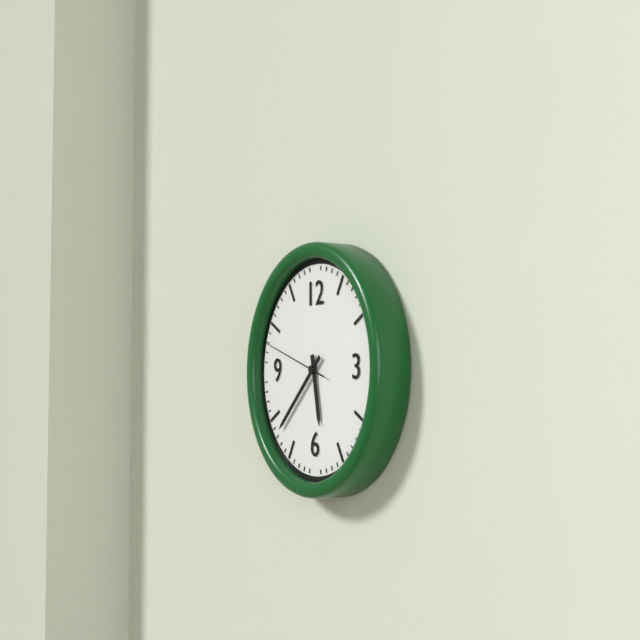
5,38,48
